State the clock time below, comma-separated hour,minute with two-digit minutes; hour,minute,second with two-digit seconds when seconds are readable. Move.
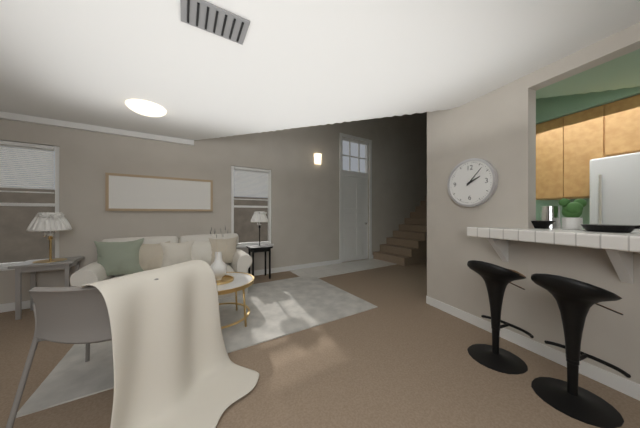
2,07
